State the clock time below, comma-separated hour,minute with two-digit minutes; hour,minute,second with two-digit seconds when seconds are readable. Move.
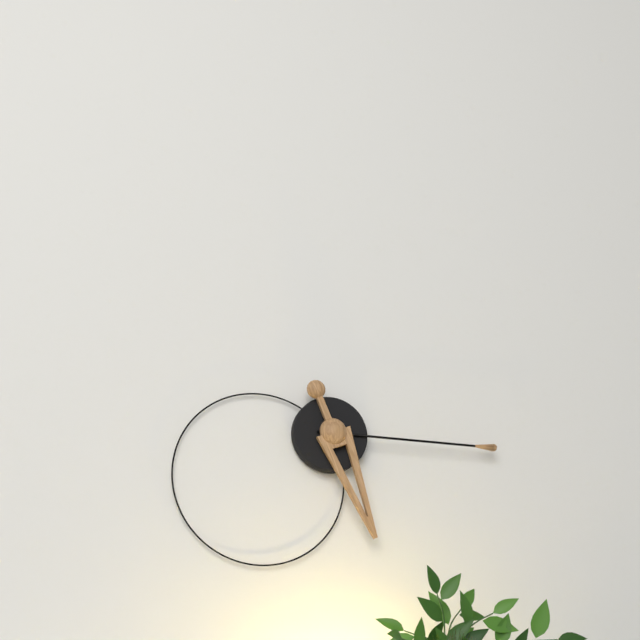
5,15
